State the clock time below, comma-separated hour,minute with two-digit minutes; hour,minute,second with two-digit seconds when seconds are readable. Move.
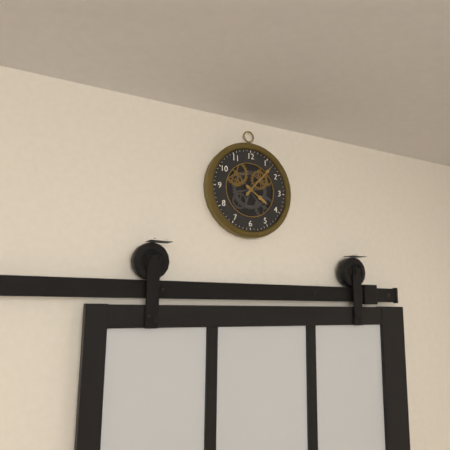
4,07
